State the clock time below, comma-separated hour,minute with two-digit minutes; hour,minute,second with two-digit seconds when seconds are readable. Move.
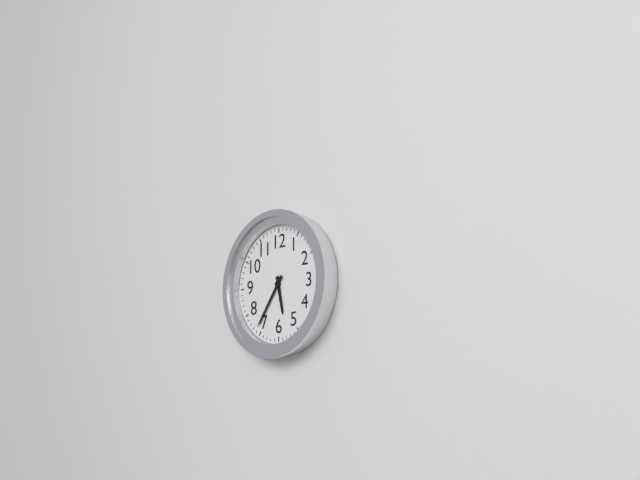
5,36
